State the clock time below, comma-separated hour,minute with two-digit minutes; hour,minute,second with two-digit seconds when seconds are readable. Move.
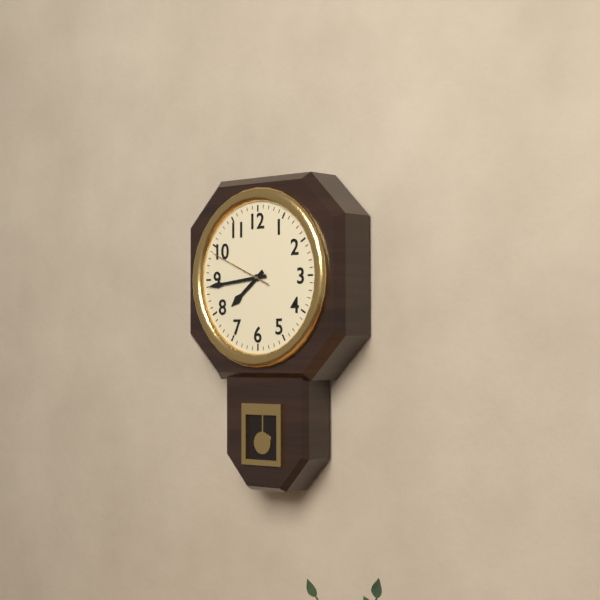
7,44,49
